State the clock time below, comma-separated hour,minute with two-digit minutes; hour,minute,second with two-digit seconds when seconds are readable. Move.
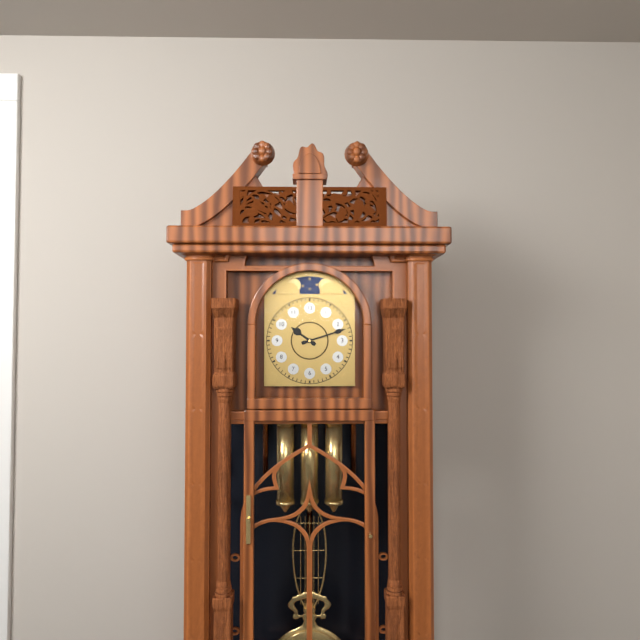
10,12
